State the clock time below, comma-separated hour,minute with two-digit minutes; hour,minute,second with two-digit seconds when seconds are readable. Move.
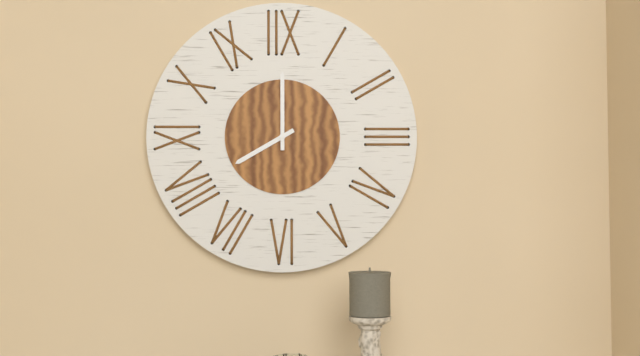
8,00
